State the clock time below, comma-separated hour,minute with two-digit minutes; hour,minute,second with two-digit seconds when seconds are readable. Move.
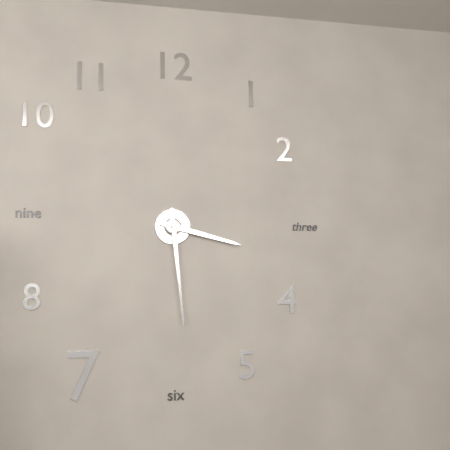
3,29
